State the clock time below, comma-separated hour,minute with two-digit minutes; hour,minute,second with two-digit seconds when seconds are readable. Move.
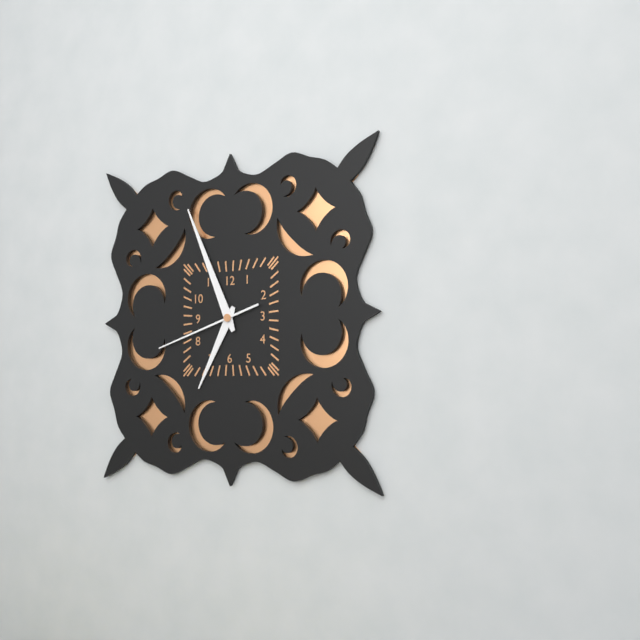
6,56,42
